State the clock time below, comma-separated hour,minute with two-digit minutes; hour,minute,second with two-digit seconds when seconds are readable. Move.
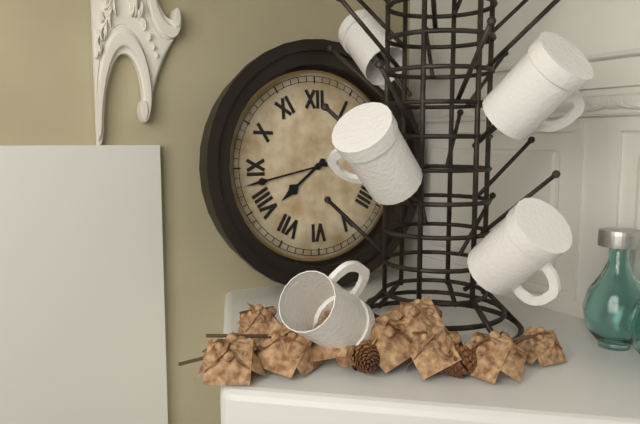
7,43
